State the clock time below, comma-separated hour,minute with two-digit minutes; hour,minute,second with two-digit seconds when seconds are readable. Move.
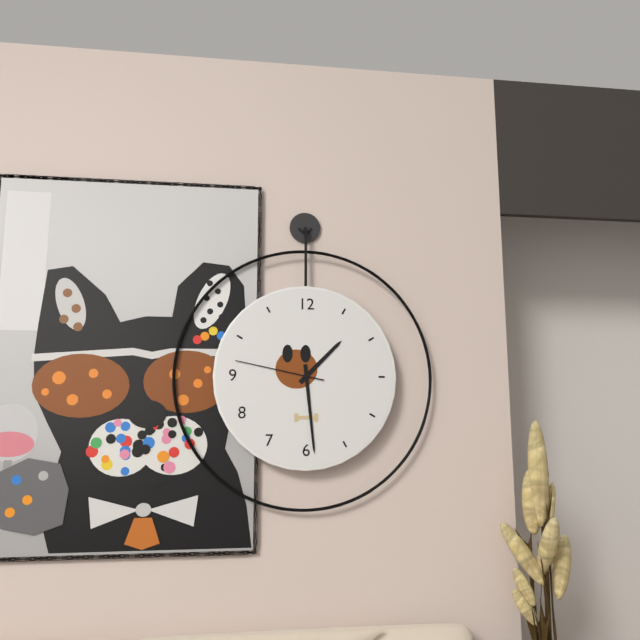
1,29,47
